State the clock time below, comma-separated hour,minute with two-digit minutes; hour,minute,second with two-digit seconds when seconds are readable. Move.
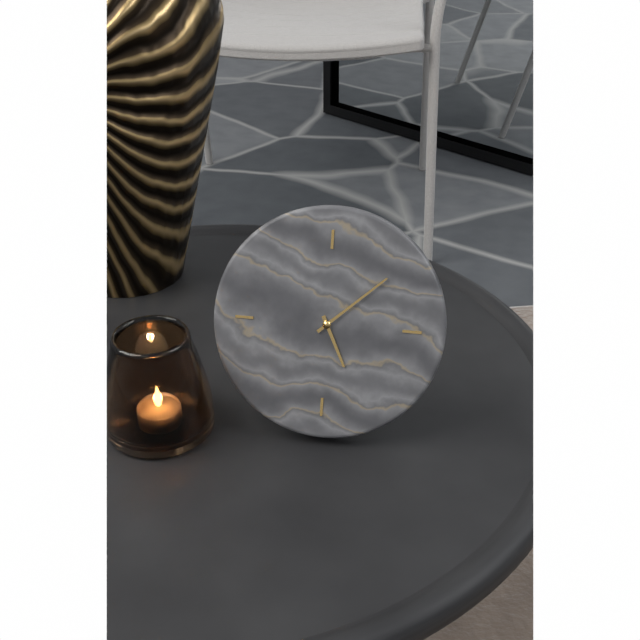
5,08
